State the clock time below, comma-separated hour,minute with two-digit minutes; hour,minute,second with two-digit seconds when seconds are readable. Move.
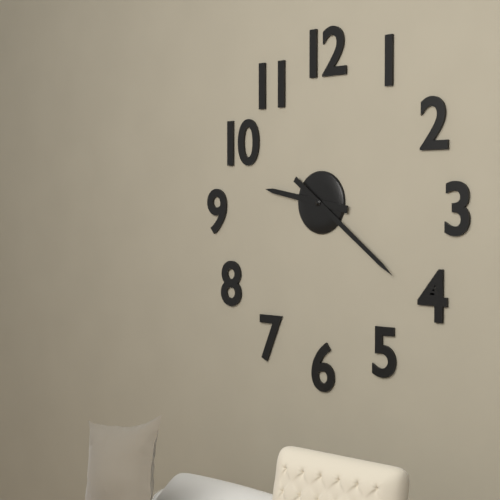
9,21
